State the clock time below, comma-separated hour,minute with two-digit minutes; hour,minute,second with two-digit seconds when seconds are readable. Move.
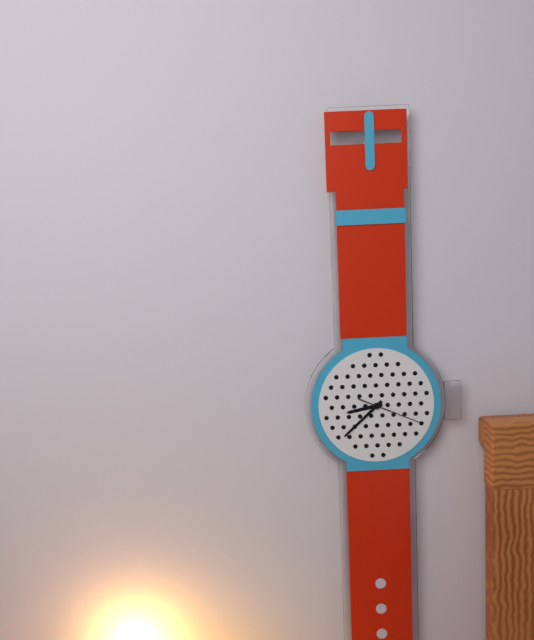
8,38,19
